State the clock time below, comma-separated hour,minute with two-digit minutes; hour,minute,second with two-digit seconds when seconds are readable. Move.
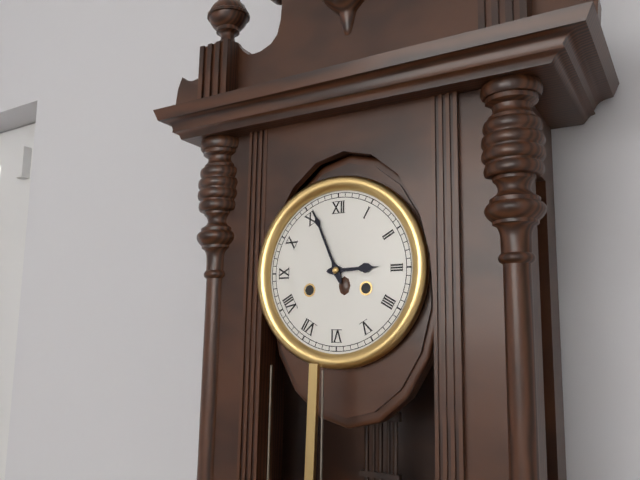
2,56
